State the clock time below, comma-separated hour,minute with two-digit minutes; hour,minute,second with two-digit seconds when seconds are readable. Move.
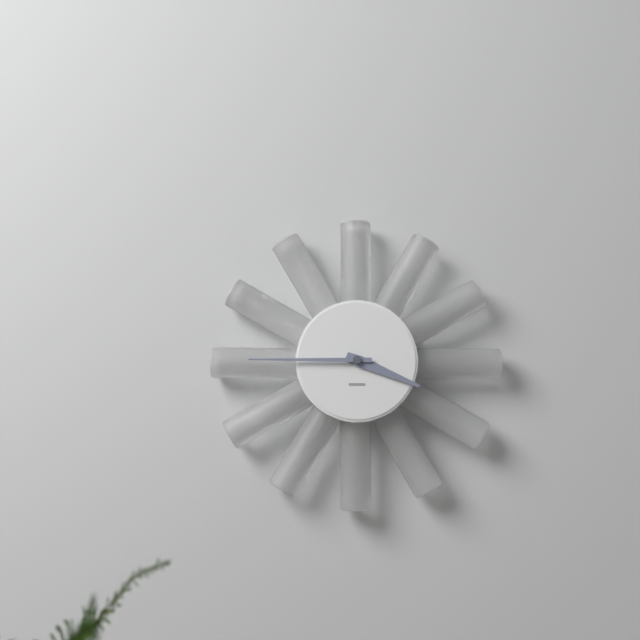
3,45
